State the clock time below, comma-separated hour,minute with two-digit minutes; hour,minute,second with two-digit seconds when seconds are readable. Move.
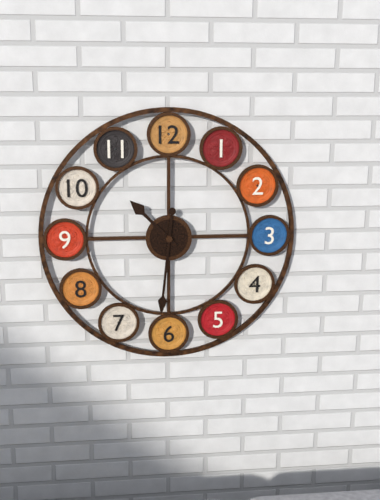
10,31
